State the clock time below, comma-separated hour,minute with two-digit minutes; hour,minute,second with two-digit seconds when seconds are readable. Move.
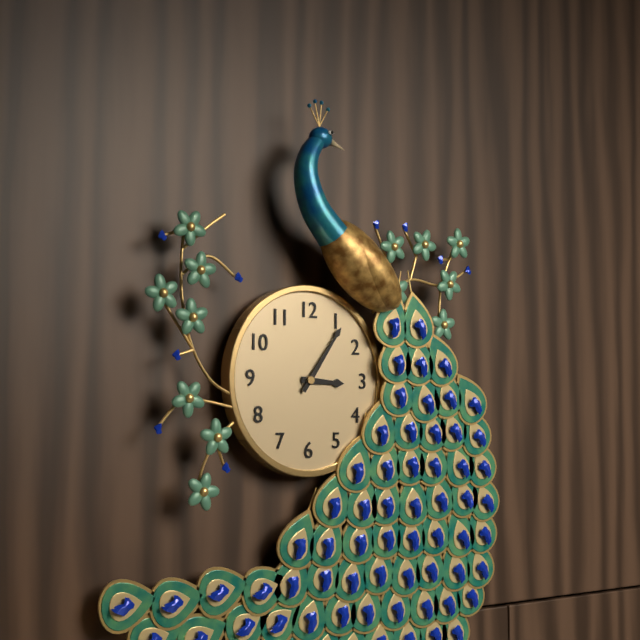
3,06
